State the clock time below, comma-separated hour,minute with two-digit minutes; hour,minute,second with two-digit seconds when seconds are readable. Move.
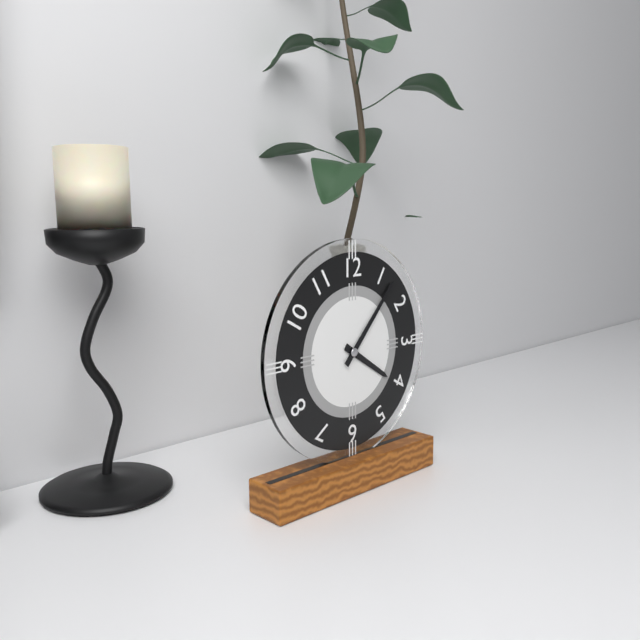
4,07
